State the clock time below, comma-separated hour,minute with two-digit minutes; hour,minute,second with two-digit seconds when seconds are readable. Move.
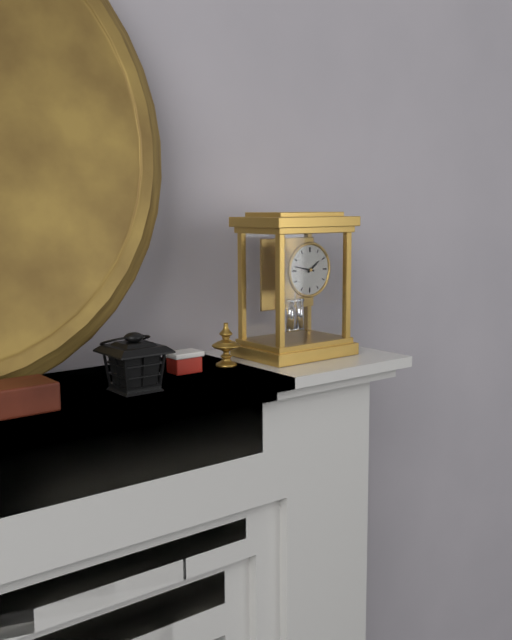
1,47
